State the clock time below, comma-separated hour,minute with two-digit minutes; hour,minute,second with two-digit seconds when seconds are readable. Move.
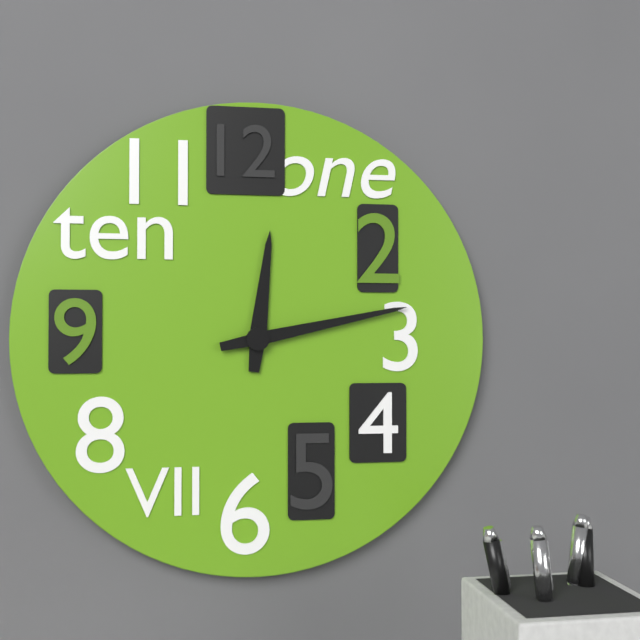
12,13
